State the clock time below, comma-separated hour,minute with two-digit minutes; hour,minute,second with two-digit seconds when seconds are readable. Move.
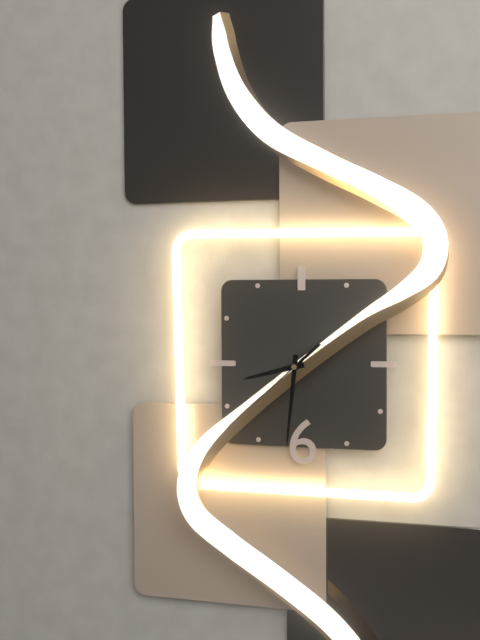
8,31,38
